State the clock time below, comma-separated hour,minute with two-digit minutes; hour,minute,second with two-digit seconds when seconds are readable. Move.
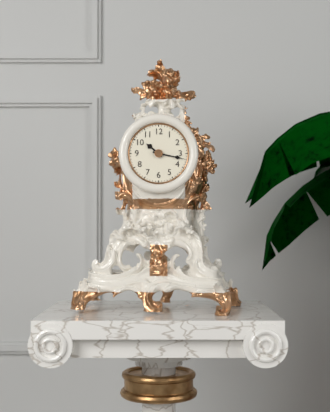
10,17
